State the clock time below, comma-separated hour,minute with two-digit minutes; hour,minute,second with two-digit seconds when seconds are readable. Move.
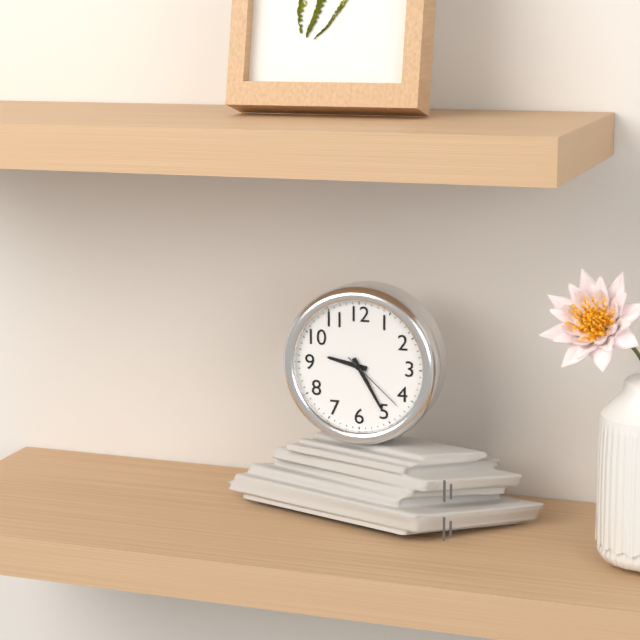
9,25,22
